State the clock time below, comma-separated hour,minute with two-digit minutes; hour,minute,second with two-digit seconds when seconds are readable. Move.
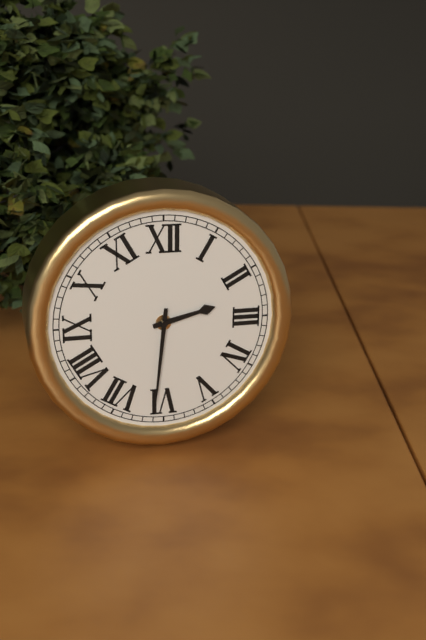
2,31
